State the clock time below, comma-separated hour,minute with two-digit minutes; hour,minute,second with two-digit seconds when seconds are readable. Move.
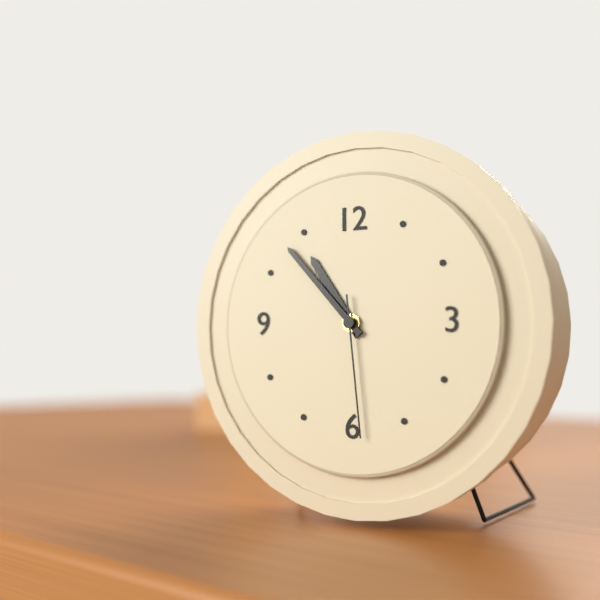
10,53,29
